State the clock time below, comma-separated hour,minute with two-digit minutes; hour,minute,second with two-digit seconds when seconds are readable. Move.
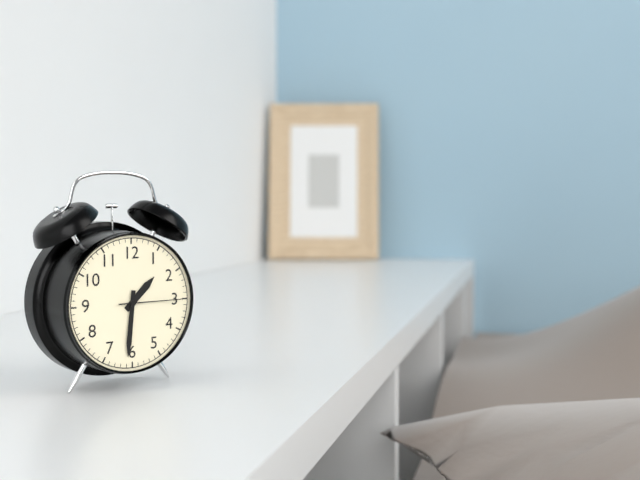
1,31,15
